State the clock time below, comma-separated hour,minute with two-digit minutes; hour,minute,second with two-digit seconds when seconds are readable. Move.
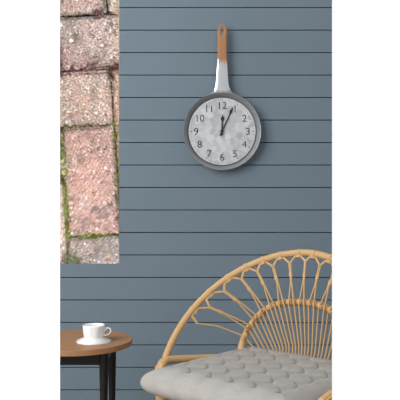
12,04
